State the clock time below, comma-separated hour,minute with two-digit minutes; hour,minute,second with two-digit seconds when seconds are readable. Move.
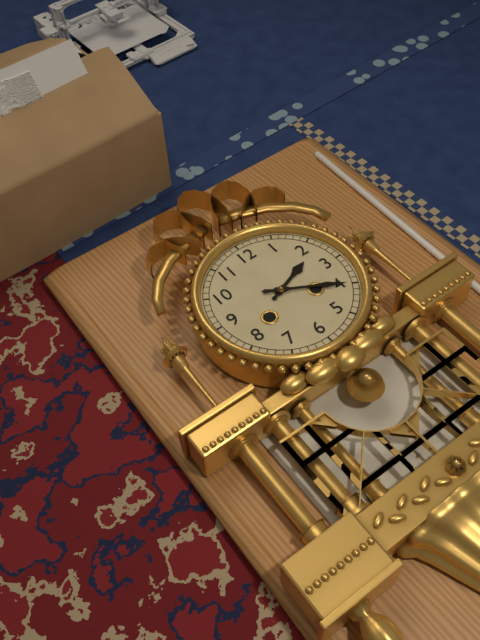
2,20
